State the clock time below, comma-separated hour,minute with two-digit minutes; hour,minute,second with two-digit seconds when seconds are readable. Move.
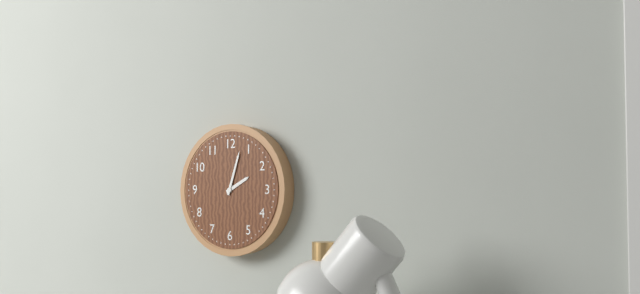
2,03
